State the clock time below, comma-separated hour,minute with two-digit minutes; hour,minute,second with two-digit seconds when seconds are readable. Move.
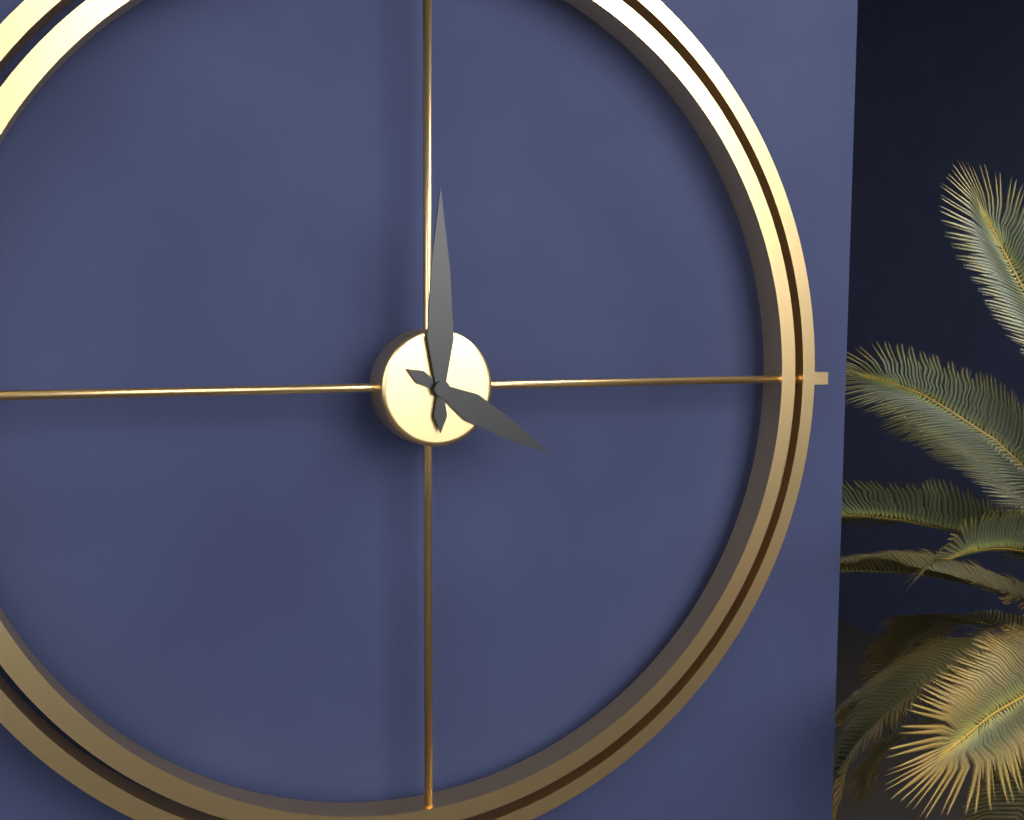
4,00
